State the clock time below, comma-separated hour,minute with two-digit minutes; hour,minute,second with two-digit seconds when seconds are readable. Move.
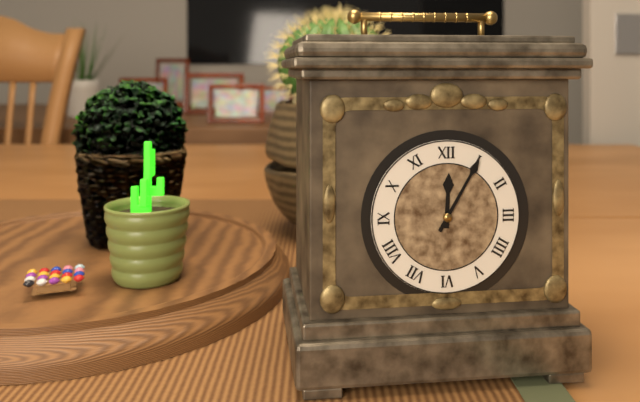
12,05
